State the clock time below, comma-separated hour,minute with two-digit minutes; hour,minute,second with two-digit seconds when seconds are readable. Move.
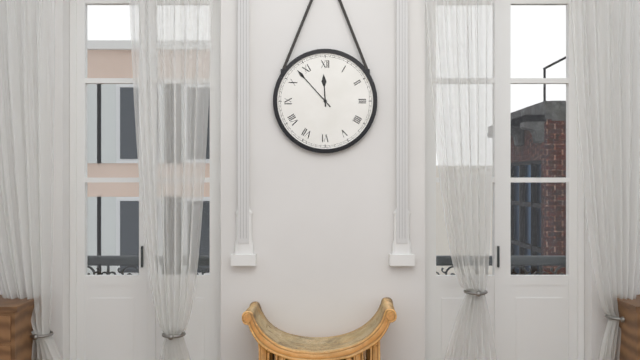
11,53
